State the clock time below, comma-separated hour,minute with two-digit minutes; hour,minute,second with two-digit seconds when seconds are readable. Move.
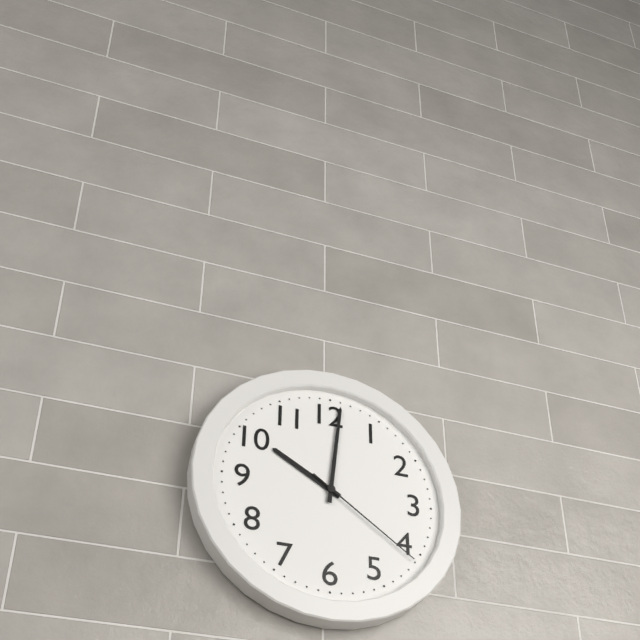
10,01,21
